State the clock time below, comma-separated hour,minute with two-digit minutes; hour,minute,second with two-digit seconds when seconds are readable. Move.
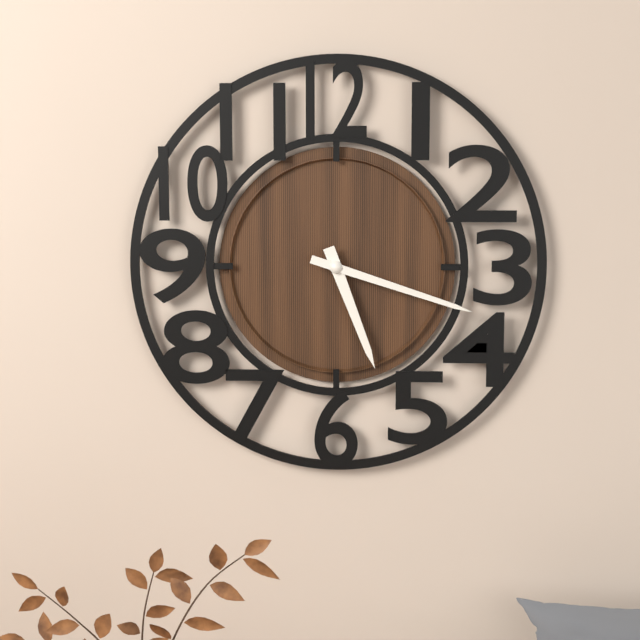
5,18
